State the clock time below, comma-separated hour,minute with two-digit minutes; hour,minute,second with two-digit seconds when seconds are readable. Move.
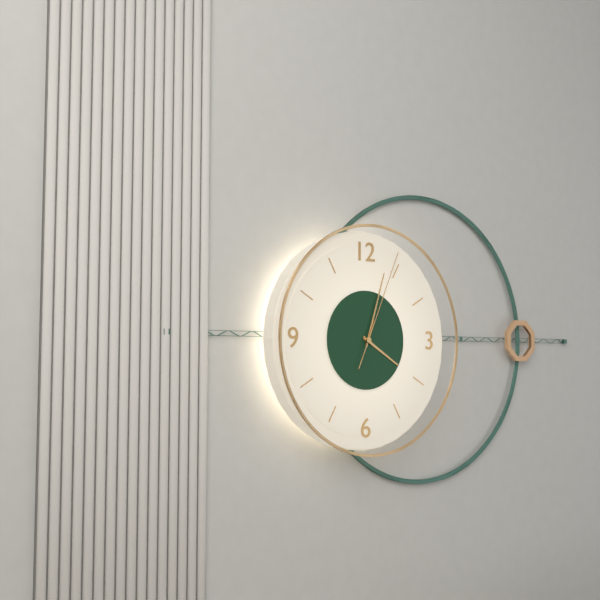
4,03,04
